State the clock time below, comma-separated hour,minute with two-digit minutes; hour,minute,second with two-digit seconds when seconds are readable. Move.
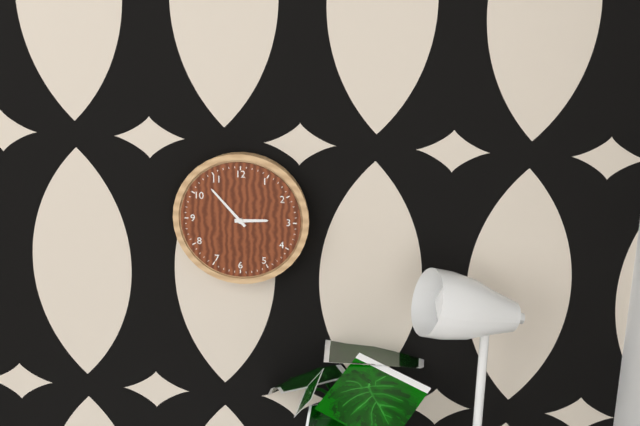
2,53
